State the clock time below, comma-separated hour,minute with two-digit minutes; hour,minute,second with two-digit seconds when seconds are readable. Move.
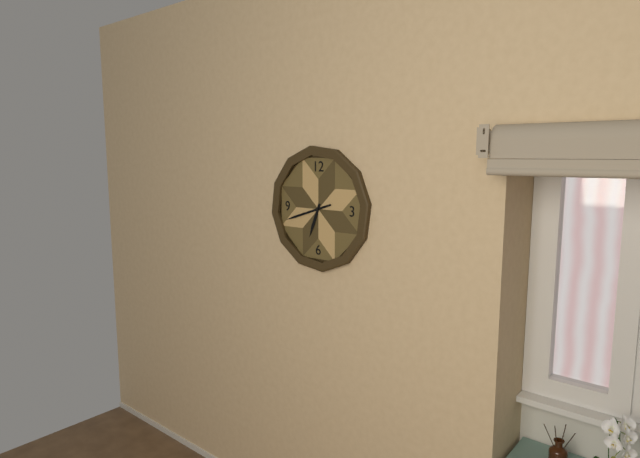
6,42
